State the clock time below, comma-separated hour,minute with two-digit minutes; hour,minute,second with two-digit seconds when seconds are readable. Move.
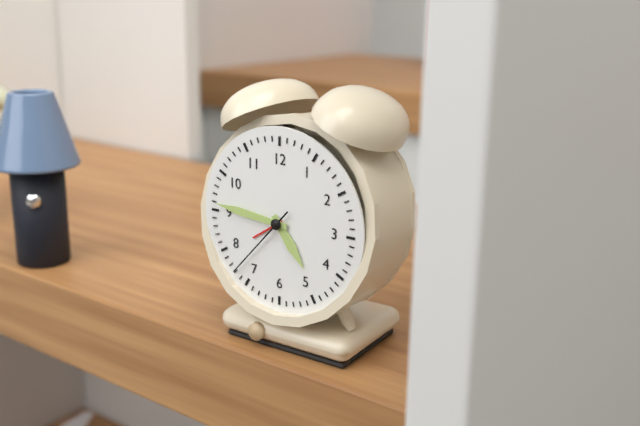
4,46,37
